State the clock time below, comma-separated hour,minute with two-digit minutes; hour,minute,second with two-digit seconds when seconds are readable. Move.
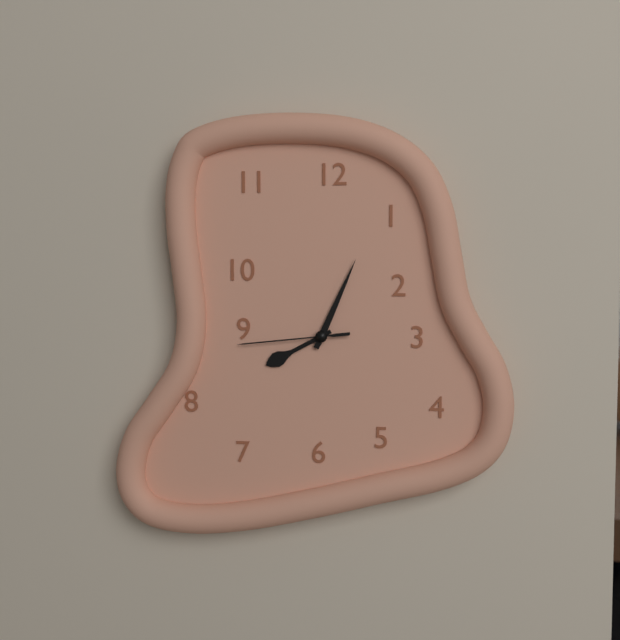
8,04,44
